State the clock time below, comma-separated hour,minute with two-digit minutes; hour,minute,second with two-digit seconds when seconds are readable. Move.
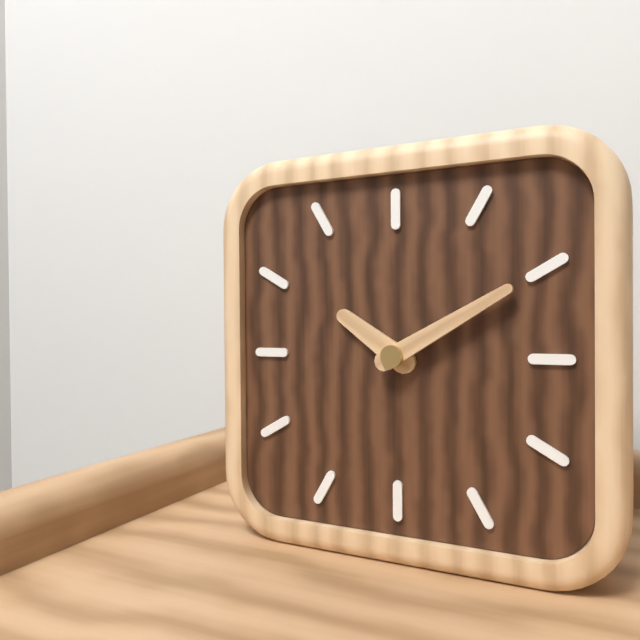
10,10
